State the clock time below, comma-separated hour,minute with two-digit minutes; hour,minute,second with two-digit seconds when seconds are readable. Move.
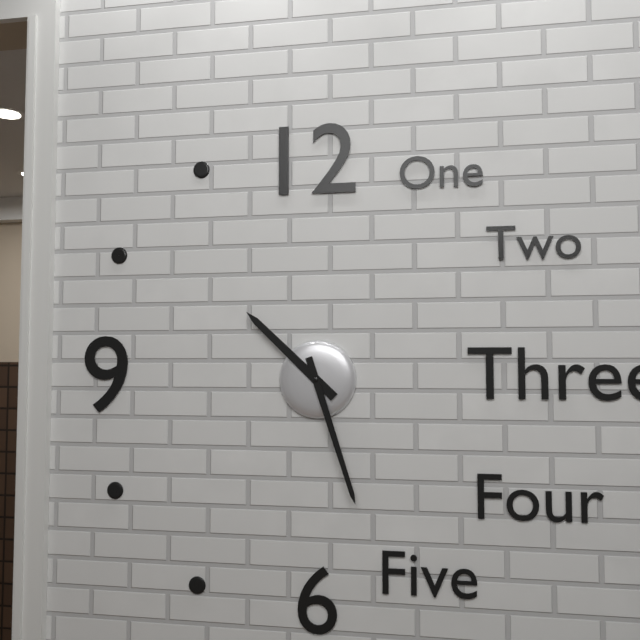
10,27
